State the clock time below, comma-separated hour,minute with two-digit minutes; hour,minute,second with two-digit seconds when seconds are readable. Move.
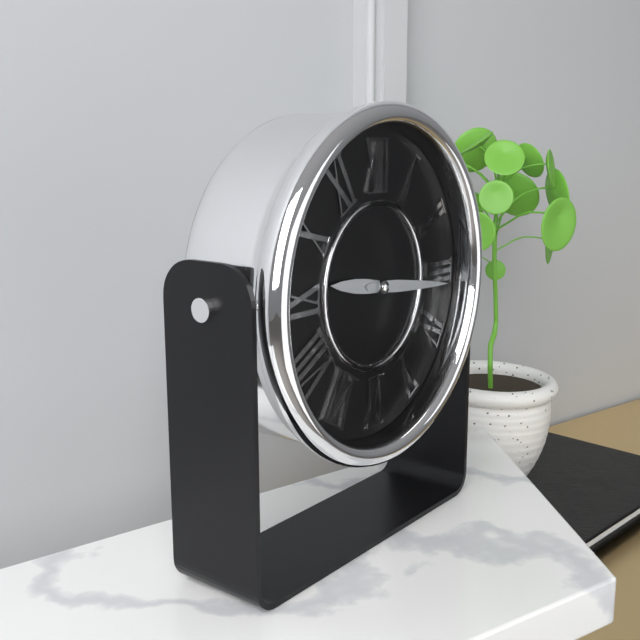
9,16
